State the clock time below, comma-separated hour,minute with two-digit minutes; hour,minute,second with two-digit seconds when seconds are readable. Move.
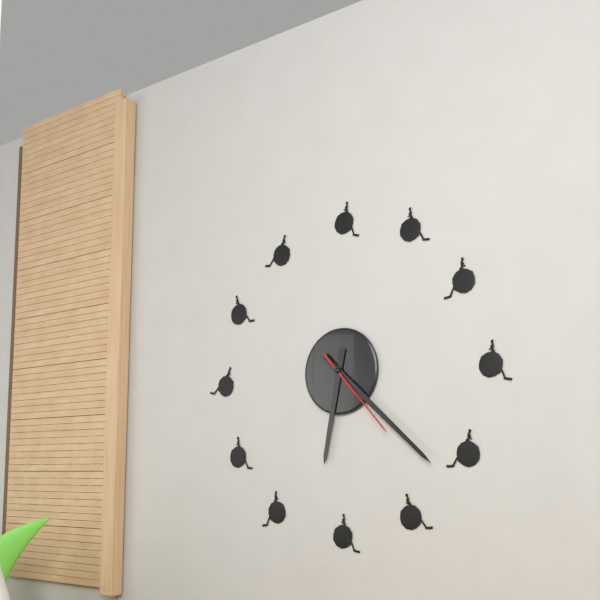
6,22,23
